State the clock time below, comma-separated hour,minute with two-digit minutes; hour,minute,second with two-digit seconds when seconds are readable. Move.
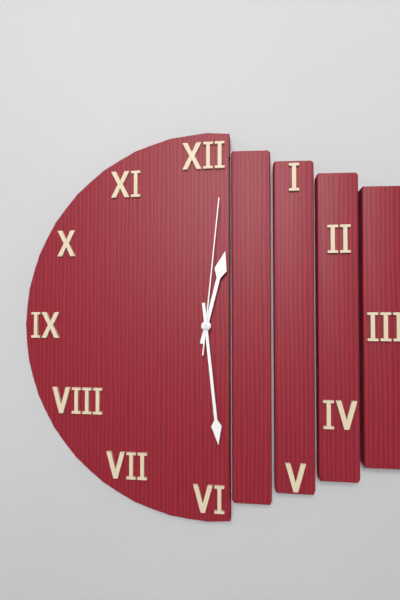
12,29,01
